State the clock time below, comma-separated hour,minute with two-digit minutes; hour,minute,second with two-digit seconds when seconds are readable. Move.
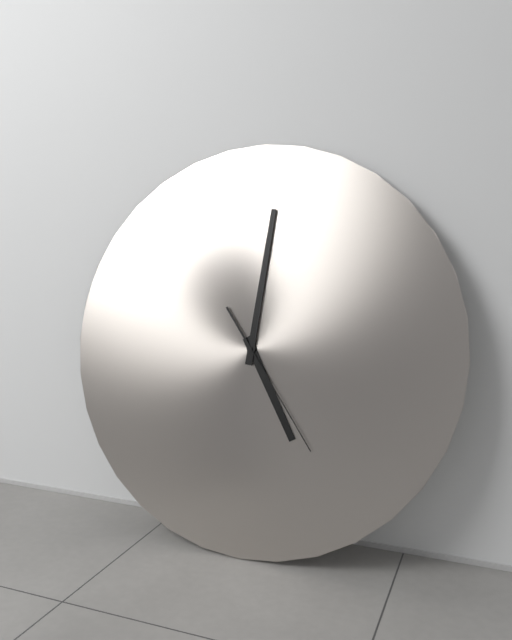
5,01,24
